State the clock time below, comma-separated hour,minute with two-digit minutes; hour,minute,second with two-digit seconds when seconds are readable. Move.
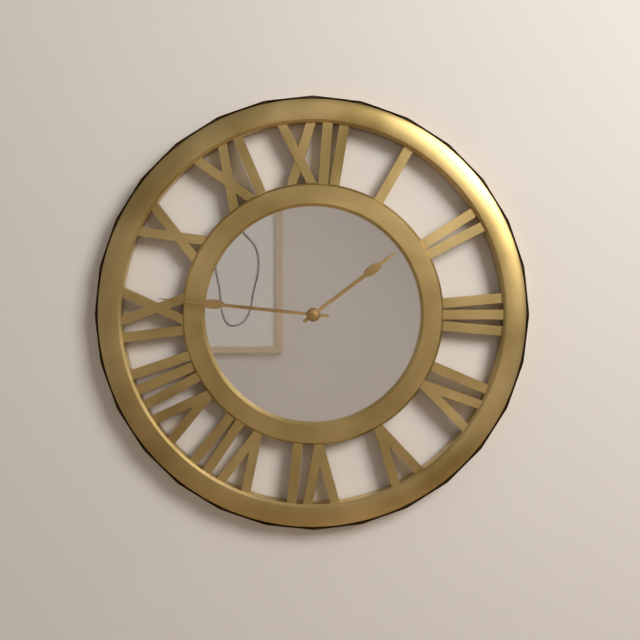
1,46
